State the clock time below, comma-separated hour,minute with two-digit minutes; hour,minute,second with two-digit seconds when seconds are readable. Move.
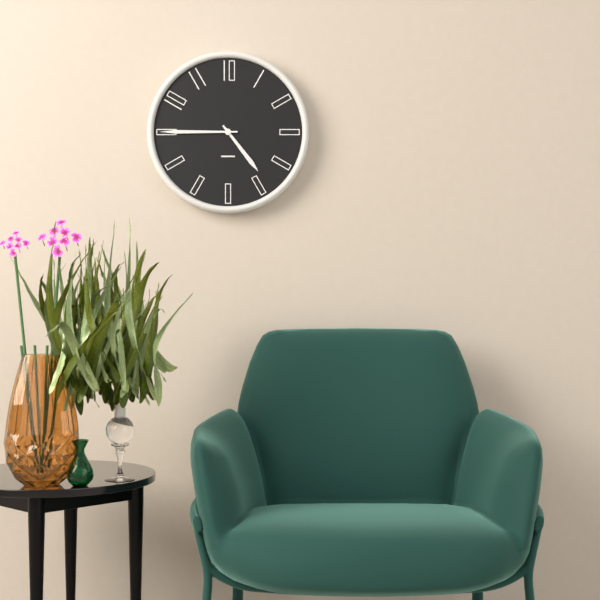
4,45
